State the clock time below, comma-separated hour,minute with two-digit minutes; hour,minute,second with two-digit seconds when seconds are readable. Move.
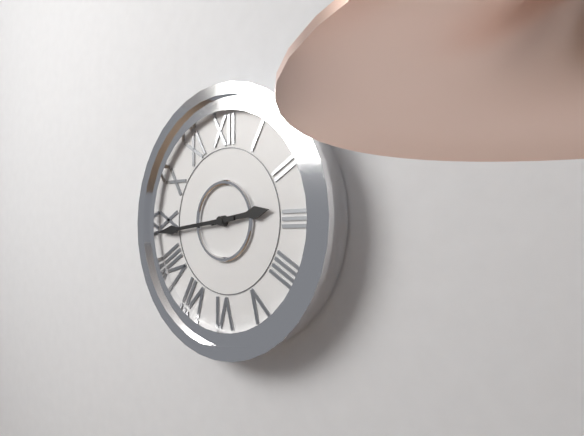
2,44
